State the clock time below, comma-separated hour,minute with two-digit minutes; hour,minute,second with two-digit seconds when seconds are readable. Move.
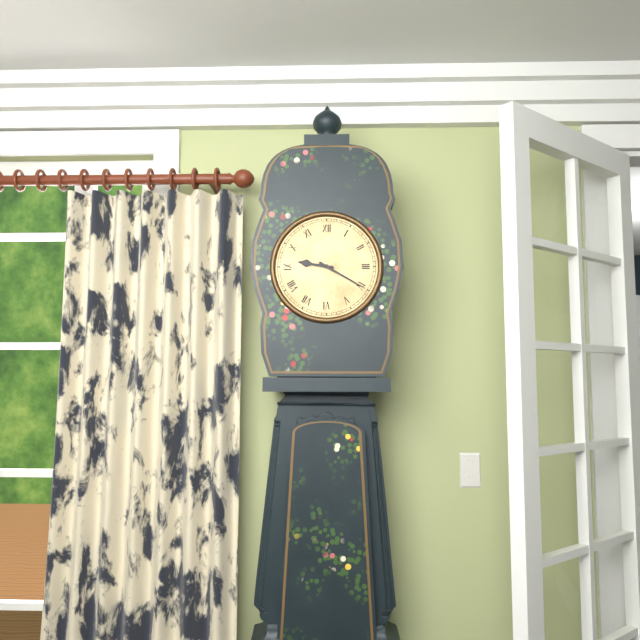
9,20
